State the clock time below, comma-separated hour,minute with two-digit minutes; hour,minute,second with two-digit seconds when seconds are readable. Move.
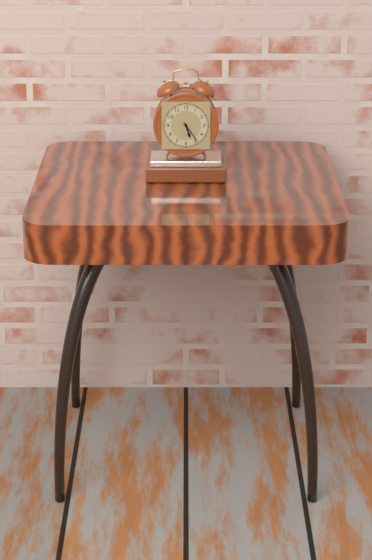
5,24
